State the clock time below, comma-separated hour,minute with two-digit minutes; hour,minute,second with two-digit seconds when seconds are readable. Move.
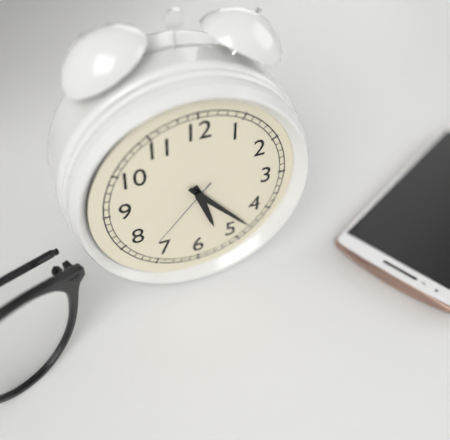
5,23,37
